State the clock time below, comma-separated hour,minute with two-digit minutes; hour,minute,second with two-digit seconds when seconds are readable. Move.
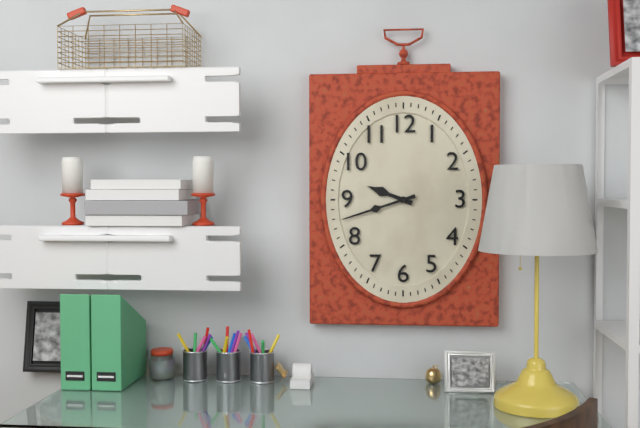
9,42
